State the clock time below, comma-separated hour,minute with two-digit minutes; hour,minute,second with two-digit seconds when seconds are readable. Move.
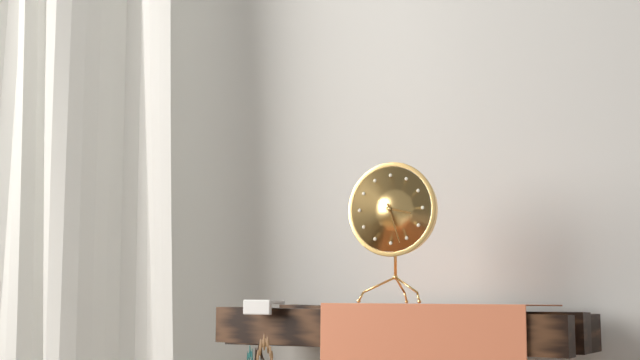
3,27
